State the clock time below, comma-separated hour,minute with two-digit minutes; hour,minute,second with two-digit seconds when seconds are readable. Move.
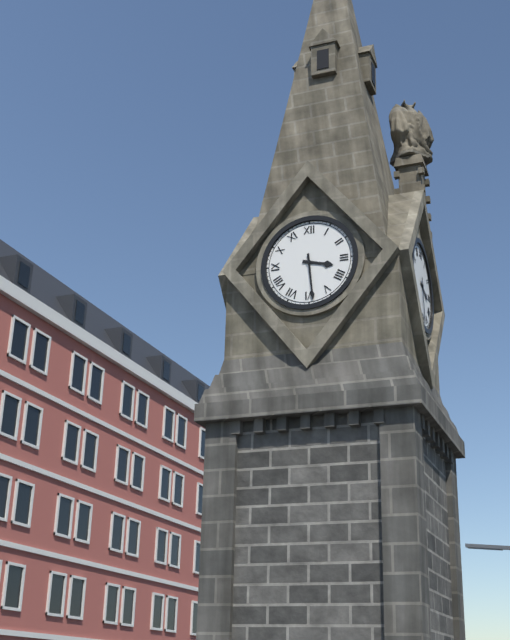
3,29
